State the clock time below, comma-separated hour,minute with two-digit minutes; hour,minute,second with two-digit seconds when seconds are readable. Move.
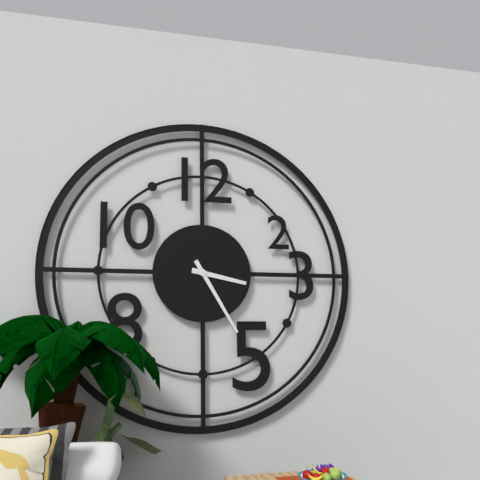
3,25
